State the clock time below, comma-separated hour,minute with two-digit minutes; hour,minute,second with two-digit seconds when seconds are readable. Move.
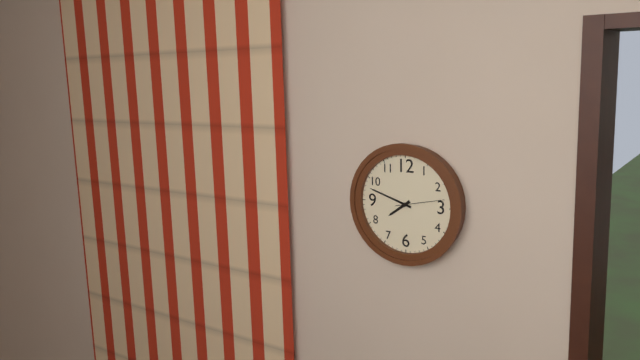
7,48,13
